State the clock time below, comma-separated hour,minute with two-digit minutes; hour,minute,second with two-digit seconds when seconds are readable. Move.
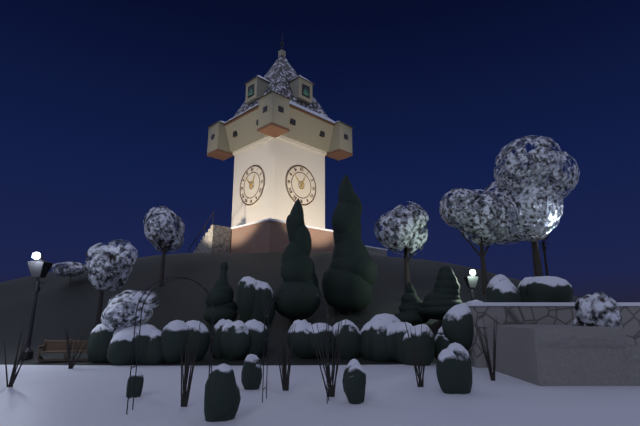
12,52
